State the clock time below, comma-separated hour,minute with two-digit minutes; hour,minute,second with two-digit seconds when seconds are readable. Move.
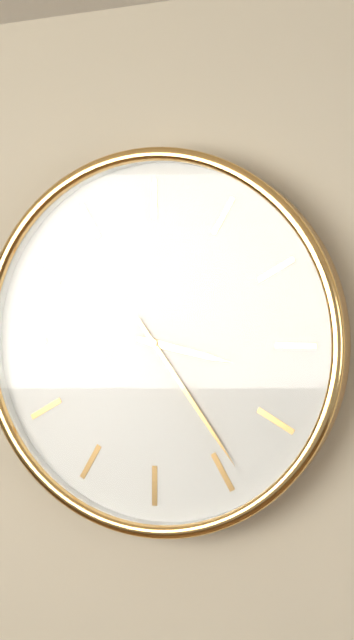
3,24
